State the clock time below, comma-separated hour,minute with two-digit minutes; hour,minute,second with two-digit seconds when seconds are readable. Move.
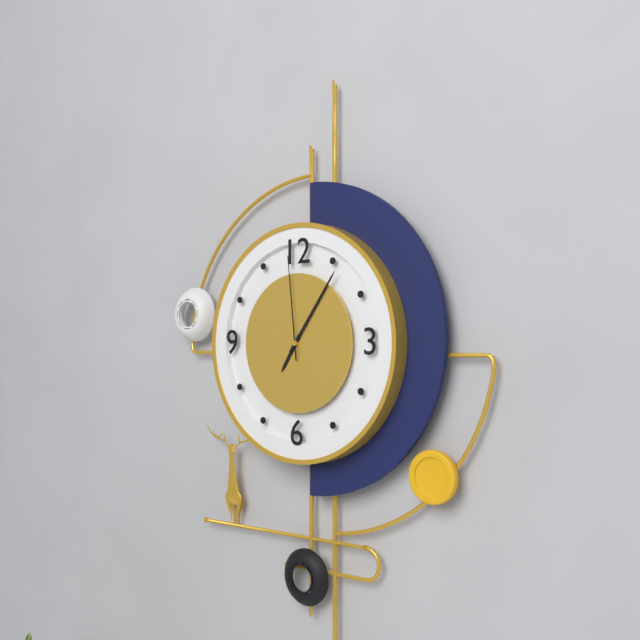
7,06,59
